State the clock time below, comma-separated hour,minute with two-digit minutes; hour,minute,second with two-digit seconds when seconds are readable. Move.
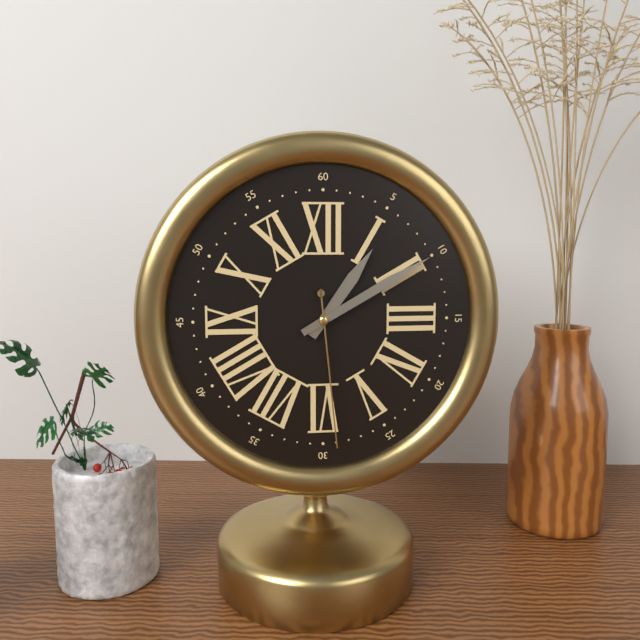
1,10,29
